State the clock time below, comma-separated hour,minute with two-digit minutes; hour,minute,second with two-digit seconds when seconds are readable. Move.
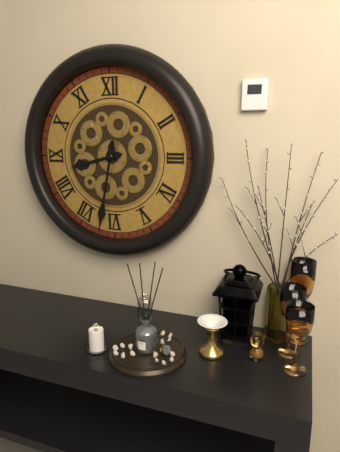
8,32
